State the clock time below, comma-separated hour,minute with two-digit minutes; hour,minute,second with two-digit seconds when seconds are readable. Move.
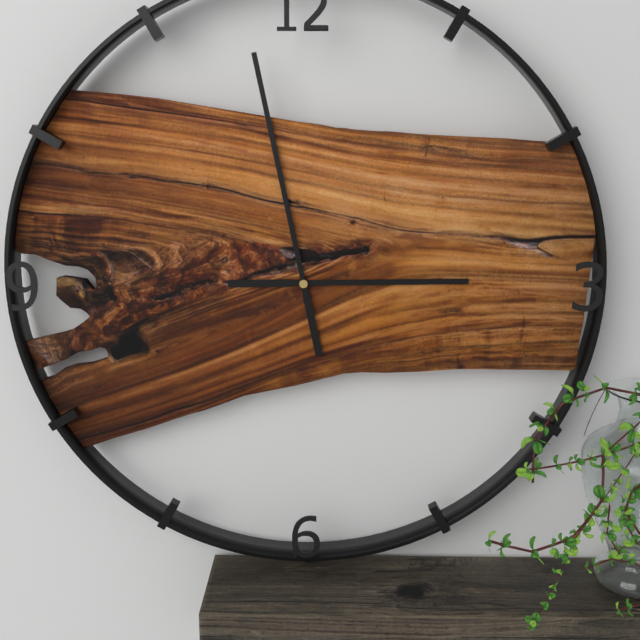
2,58
